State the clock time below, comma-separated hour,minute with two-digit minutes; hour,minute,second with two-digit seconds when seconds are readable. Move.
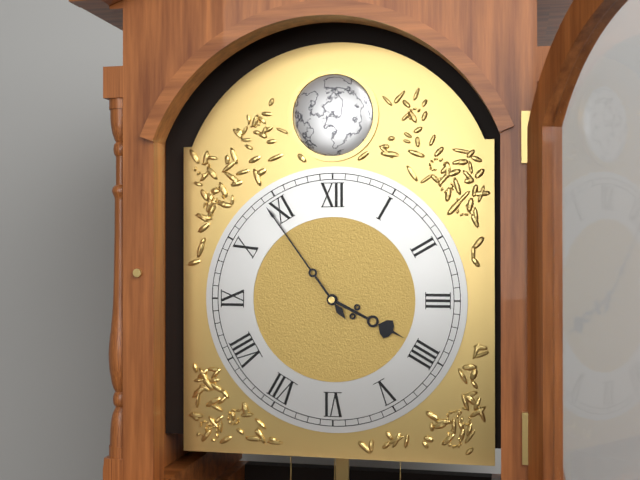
3,54
